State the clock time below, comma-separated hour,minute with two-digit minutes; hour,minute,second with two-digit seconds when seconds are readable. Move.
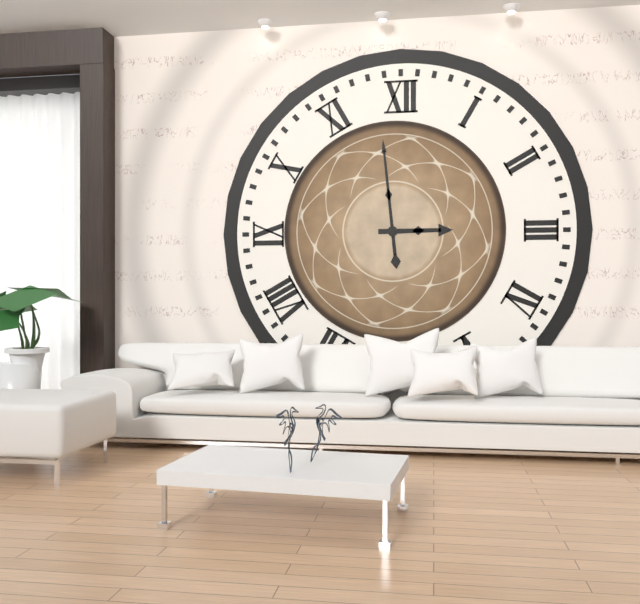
2,59
